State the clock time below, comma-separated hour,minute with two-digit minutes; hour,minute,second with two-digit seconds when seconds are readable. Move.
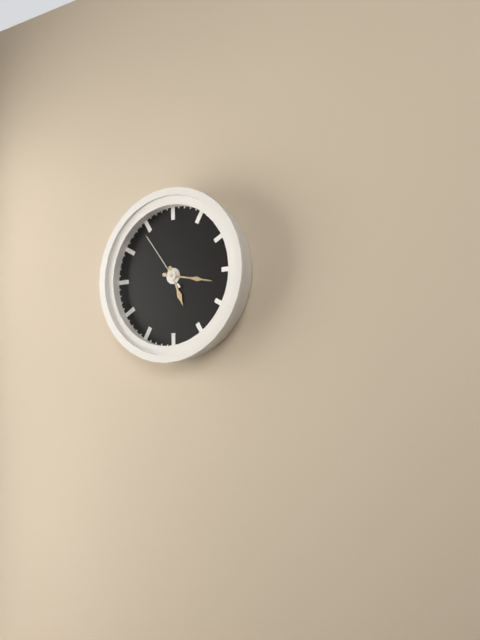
5,17,54
